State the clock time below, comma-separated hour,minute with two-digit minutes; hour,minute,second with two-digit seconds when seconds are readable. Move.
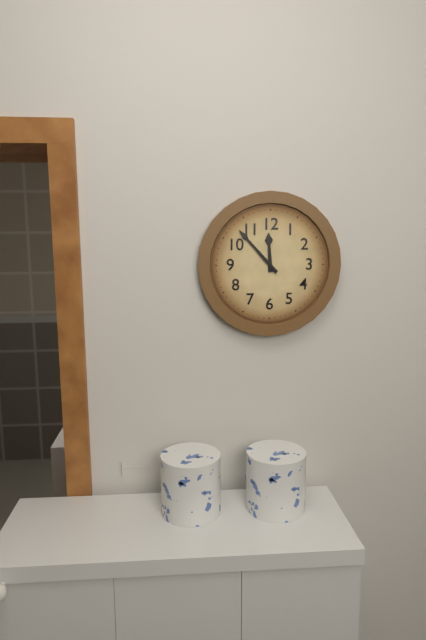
11,53
